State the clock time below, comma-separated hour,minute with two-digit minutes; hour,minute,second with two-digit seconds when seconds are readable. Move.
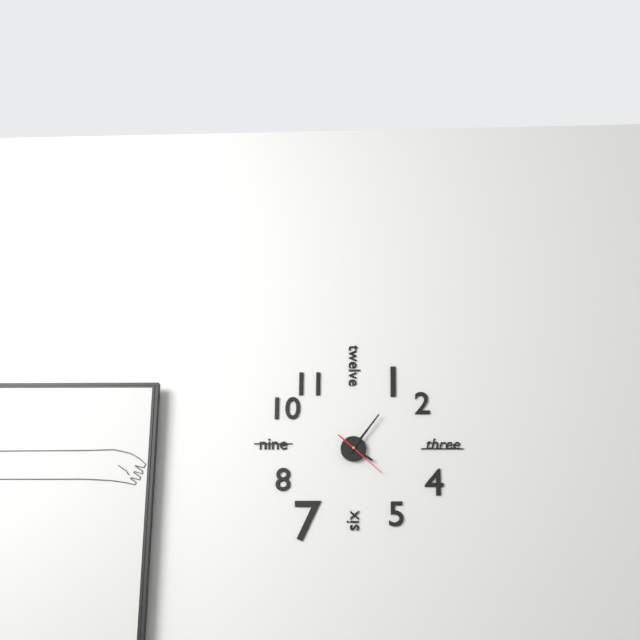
4,06
